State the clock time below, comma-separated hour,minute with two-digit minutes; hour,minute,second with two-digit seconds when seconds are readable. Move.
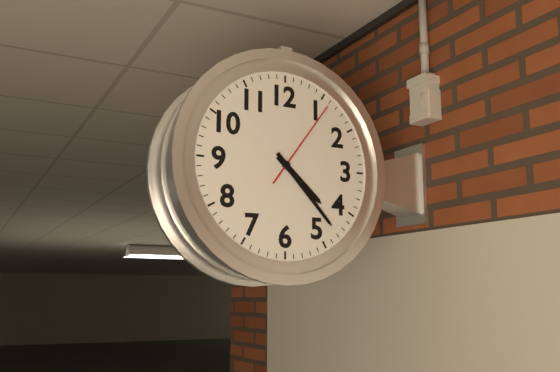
4,23,06
